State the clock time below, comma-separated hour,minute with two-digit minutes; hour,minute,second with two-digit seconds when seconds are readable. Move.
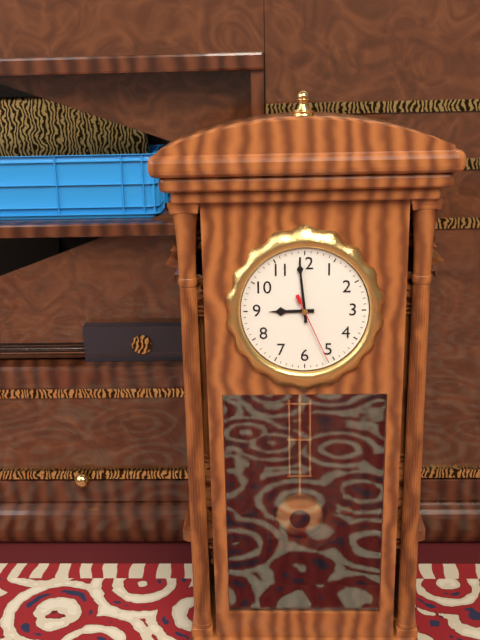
8,59,26
